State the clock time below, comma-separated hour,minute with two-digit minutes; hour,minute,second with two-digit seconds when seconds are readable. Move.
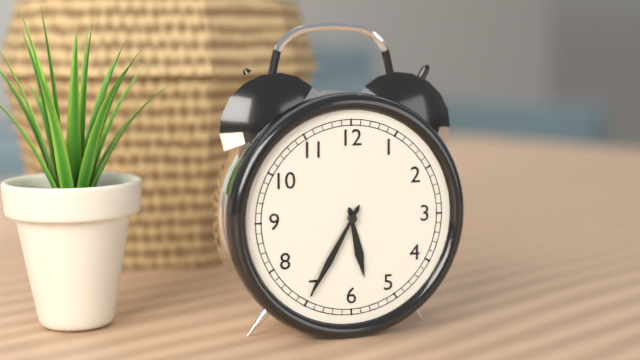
5,35
